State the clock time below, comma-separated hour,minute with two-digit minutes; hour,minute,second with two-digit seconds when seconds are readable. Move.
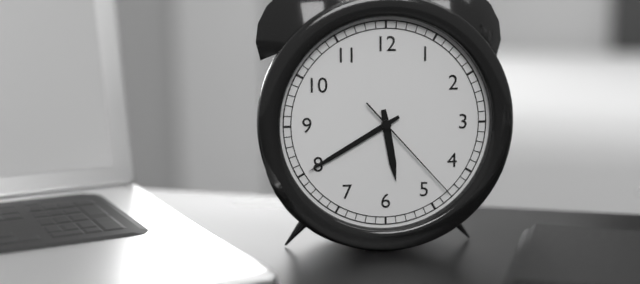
5,40,23
